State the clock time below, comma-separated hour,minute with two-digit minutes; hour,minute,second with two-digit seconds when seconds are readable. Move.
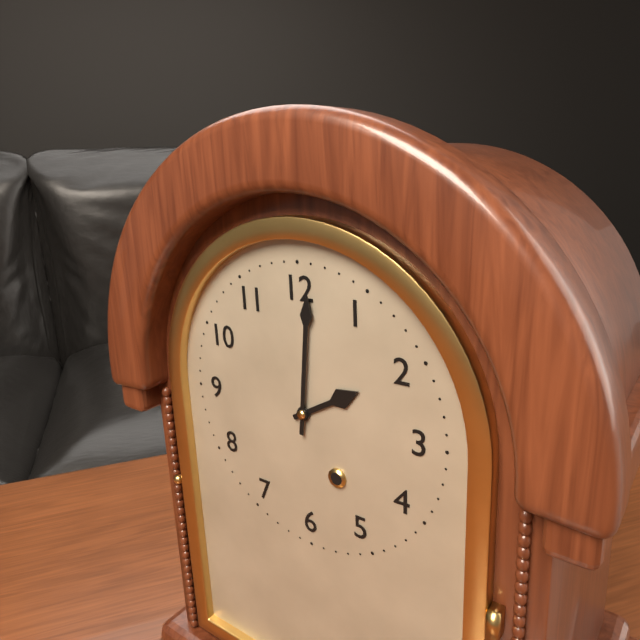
2,01
